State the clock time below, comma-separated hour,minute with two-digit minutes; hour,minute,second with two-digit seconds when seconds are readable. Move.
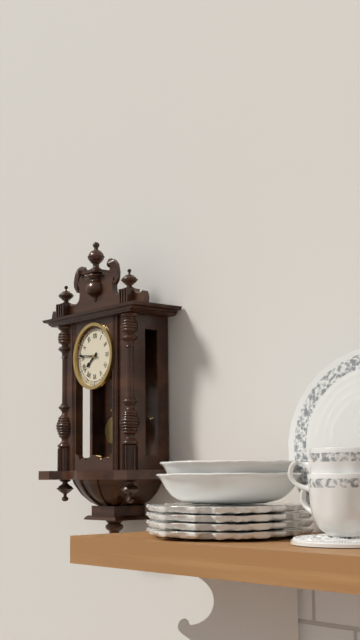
7,46
